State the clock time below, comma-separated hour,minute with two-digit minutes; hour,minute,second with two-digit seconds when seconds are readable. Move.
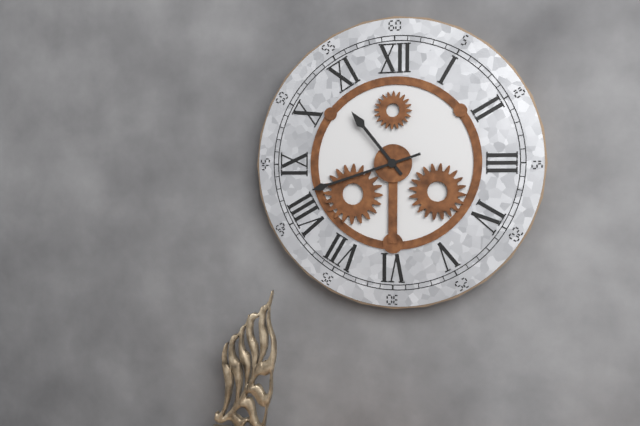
10,42
